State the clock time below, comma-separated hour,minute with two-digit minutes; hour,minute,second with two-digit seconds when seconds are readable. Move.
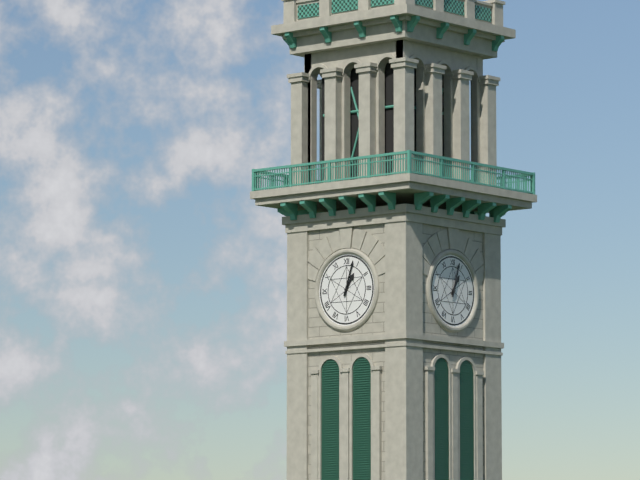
1,03
